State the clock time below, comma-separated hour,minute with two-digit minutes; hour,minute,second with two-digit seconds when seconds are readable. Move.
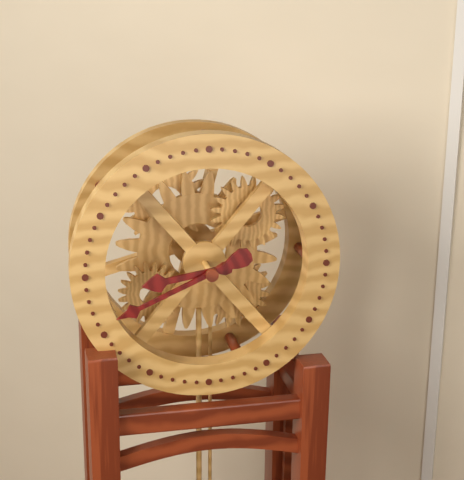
8,41
